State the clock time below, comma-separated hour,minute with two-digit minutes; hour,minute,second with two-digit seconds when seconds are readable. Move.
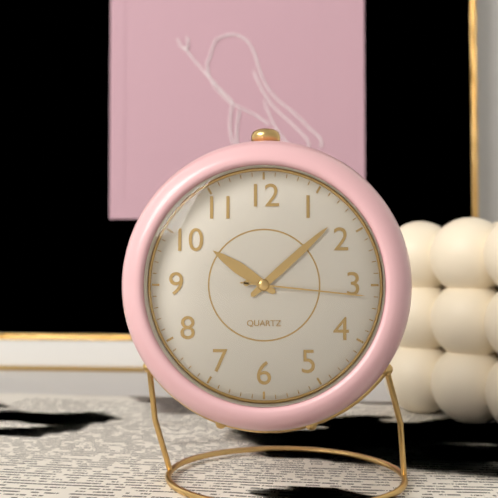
10,08,16
